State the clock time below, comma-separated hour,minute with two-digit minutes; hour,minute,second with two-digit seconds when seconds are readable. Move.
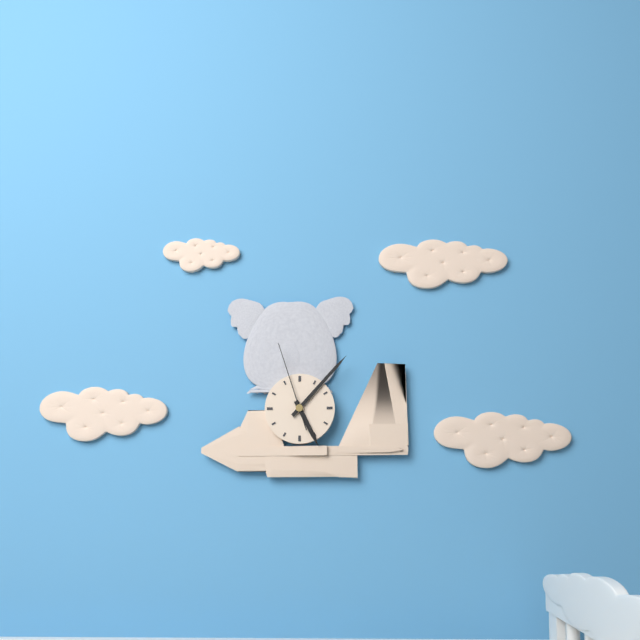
5,07,57
